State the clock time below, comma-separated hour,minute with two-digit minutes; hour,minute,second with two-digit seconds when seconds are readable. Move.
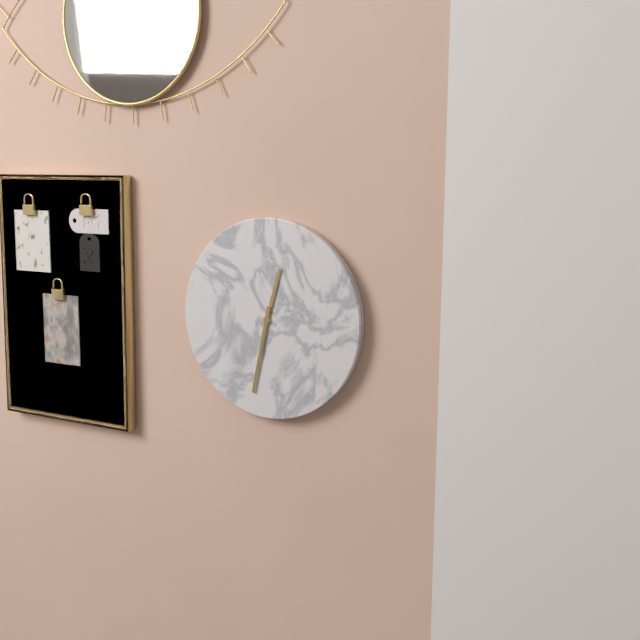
12,32
